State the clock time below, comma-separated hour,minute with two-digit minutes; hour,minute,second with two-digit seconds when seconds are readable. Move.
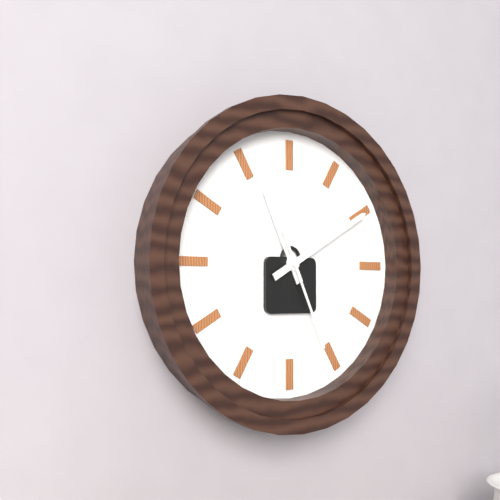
11,10,26
